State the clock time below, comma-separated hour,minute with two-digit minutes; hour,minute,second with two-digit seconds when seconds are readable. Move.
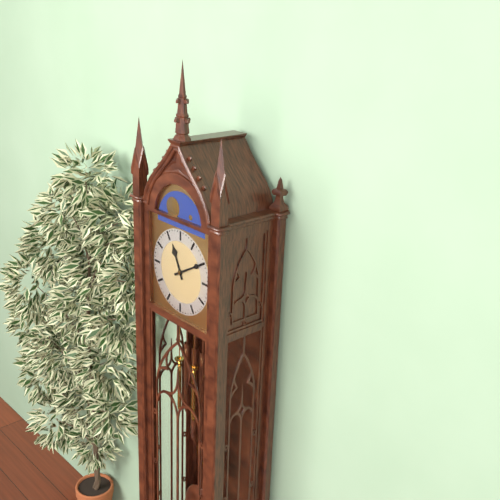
11,10
